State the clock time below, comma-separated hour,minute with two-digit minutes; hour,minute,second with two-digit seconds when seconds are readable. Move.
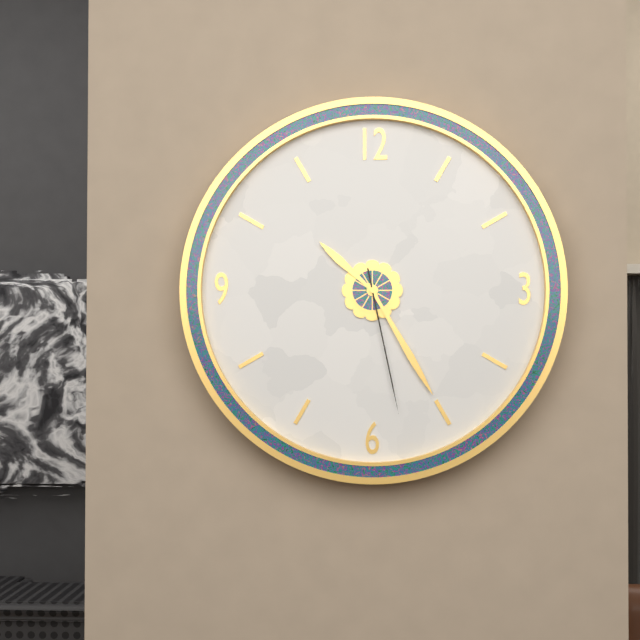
10,25,28
